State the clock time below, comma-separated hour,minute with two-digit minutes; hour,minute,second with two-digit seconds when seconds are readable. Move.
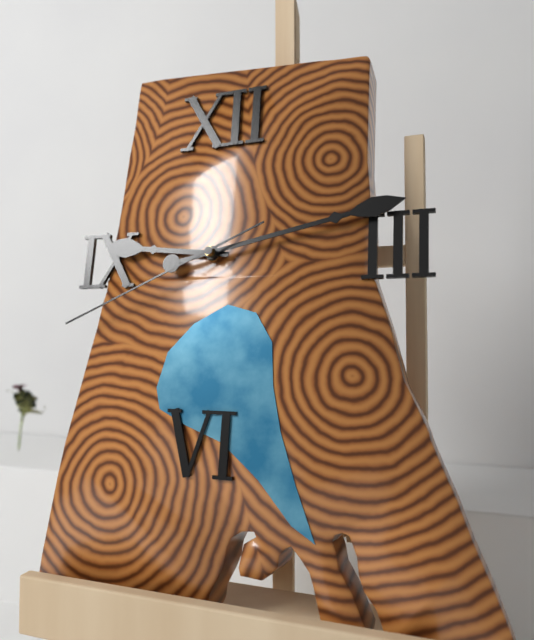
9,13,41
